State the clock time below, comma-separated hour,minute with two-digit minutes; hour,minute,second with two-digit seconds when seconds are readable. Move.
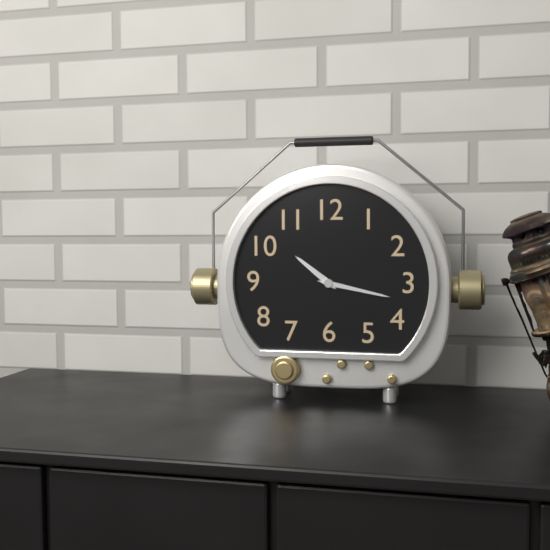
10,17
